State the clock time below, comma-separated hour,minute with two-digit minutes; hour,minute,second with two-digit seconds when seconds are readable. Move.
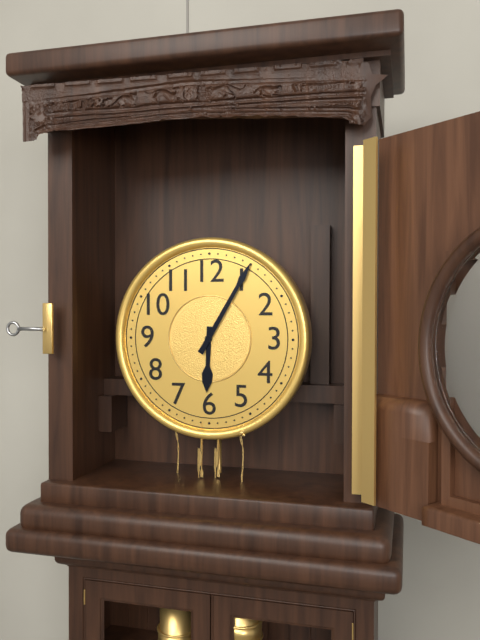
6,05
